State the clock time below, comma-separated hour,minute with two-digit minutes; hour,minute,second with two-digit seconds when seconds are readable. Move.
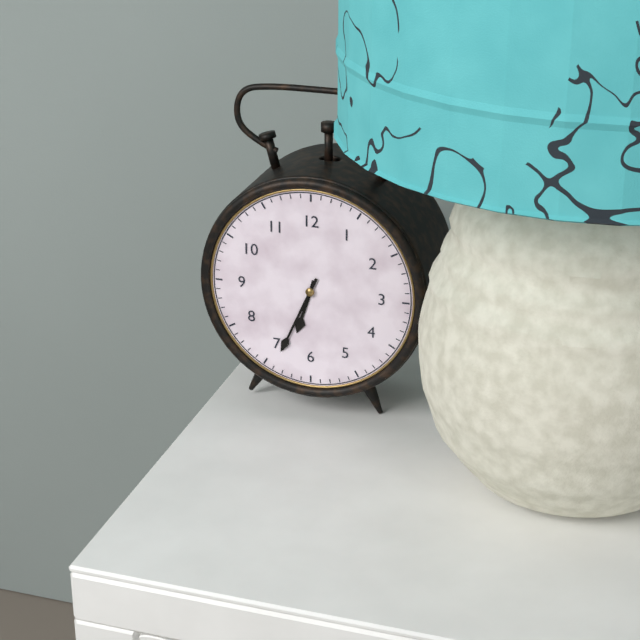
6,34
